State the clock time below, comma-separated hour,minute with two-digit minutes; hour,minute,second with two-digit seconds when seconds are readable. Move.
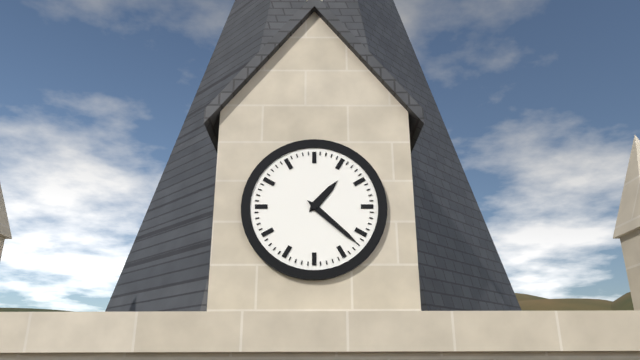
1,22
